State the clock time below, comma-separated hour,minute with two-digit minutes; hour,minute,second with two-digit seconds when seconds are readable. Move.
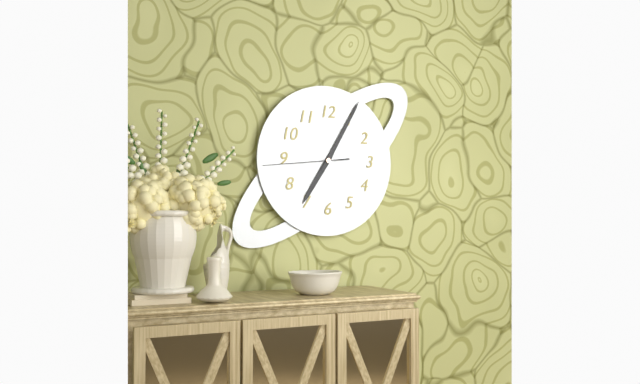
7,05,44
